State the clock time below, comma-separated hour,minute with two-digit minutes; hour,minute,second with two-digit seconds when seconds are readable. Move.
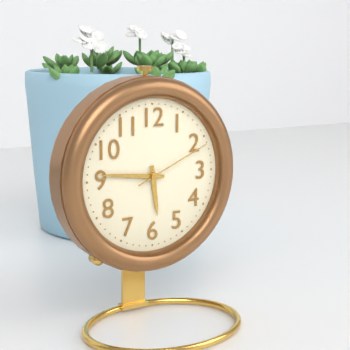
5,46,11
